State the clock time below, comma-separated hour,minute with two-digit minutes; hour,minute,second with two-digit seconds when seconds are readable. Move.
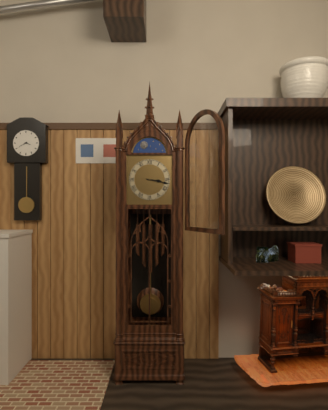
3,17
